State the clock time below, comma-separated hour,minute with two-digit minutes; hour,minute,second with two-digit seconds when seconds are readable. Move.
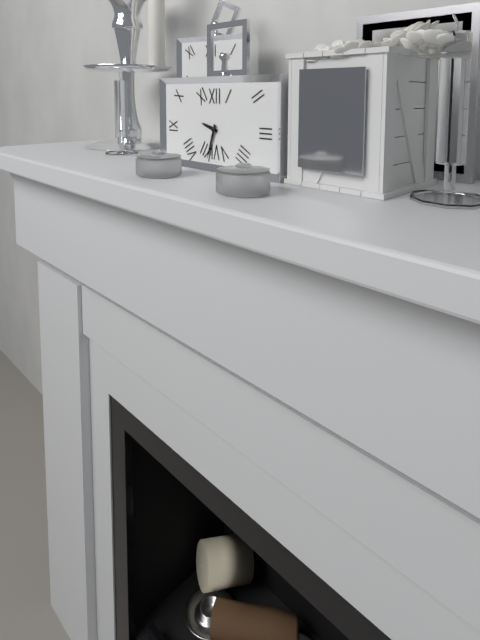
9,33
